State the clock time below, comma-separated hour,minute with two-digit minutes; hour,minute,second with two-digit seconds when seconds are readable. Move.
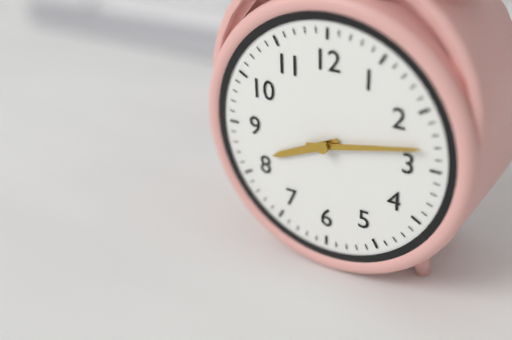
8,13
